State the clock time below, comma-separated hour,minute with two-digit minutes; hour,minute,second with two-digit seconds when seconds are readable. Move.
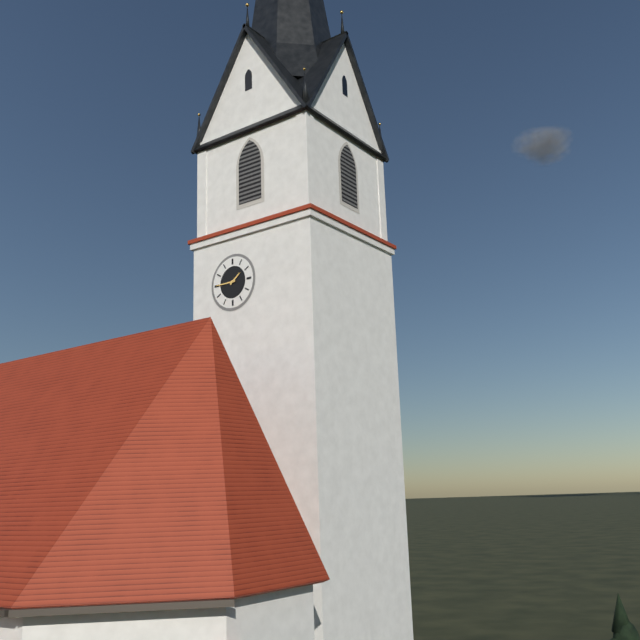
1,45
